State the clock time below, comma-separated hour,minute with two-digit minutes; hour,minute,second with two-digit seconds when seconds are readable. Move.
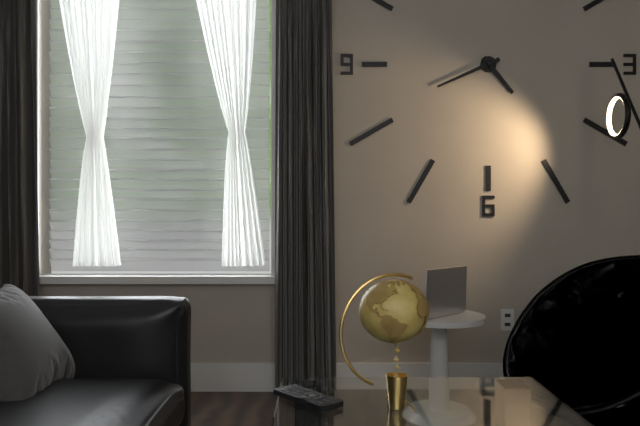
4,41
